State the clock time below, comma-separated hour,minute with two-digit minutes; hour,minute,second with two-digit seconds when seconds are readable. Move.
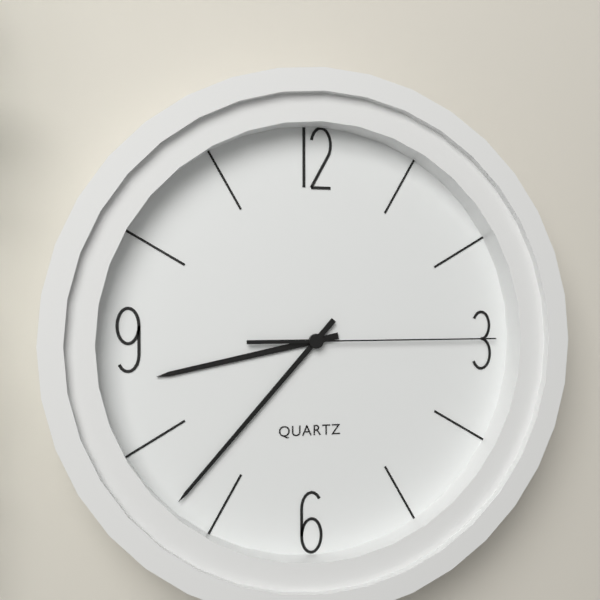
8,37,15
